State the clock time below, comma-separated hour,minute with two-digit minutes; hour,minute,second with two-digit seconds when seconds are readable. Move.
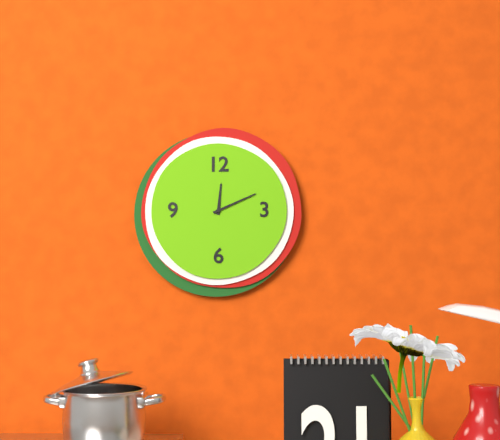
12,11
